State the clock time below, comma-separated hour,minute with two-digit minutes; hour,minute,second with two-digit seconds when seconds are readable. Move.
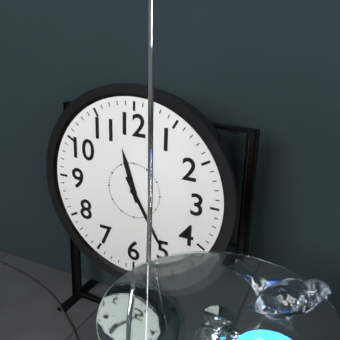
11,25
